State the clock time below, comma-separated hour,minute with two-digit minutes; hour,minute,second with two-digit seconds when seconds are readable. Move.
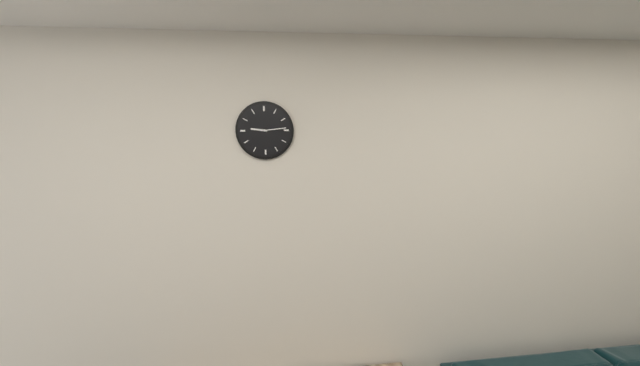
9,14
